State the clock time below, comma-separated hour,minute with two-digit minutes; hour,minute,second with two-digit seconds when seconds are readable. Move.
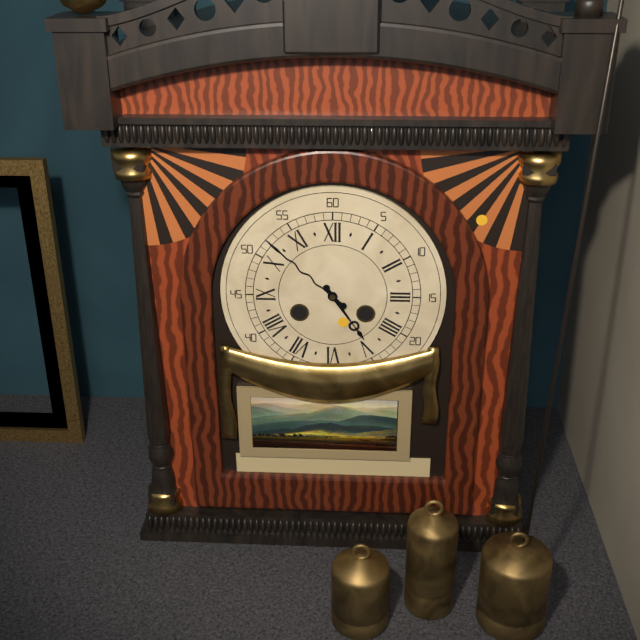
4,52
